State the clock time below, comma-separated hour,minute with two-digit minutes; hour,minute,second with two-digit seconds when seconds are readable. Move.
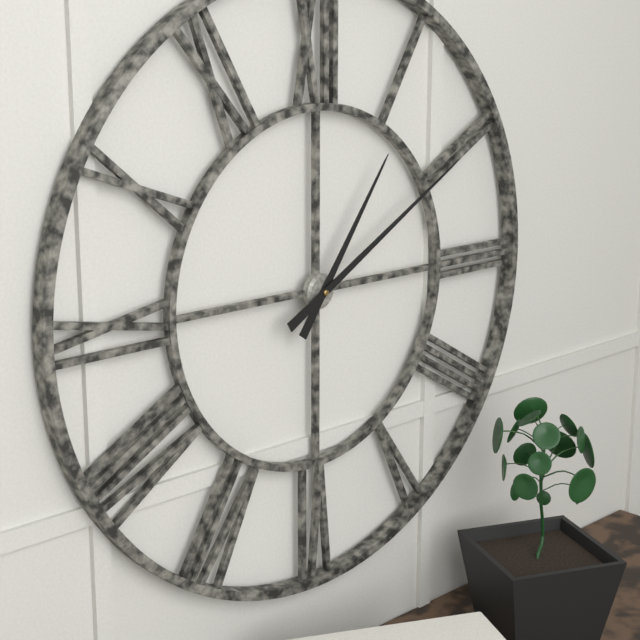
1,10
